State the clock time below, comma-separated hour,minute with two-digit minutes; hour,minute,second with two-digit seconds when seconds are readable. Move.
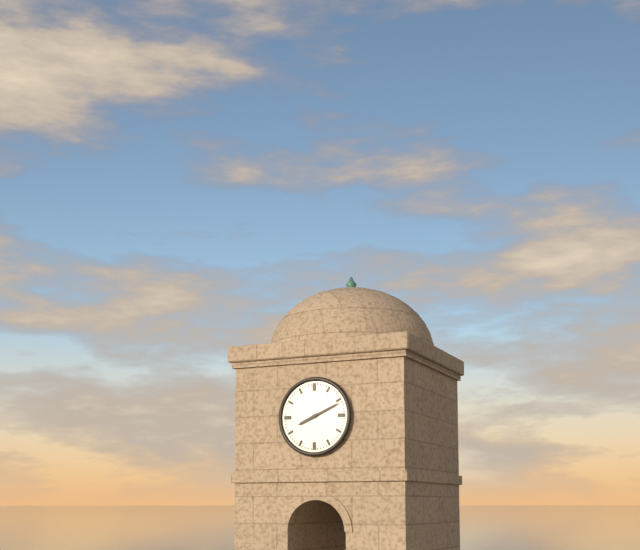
8,11
